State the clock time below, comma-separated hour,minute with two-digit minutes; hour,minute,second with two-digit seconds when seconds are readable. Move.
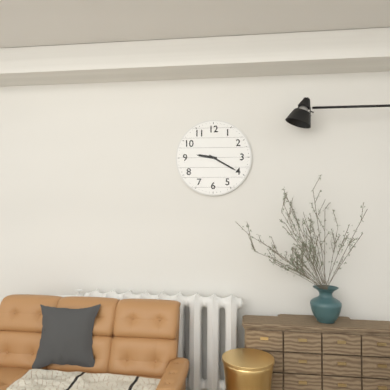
9,20
